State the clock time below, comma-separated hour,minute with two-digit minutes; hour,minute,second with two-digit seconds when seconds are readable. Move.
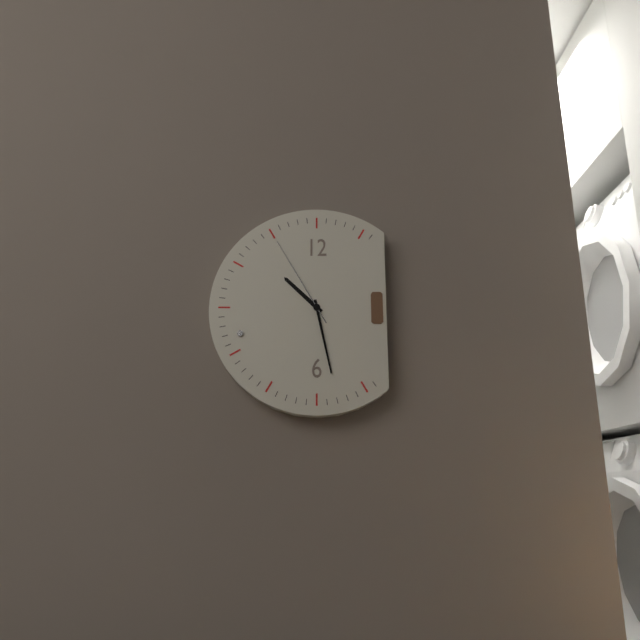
10,28,55
